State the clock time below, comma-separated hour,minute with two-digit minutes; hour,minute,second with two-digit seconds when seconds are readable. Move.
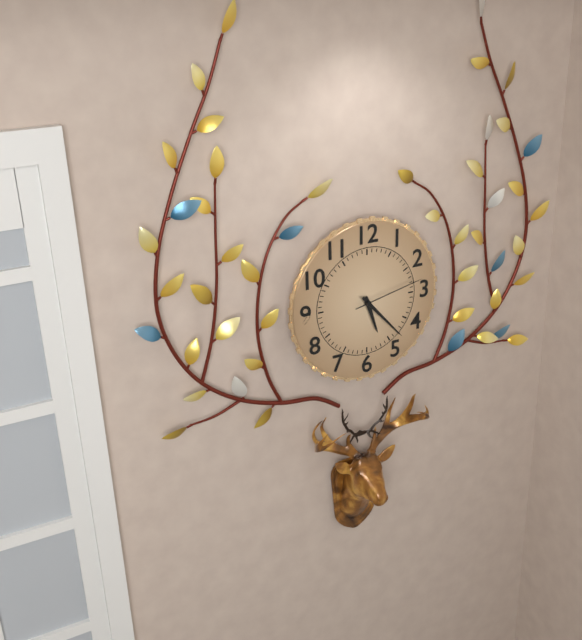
5,23,13
